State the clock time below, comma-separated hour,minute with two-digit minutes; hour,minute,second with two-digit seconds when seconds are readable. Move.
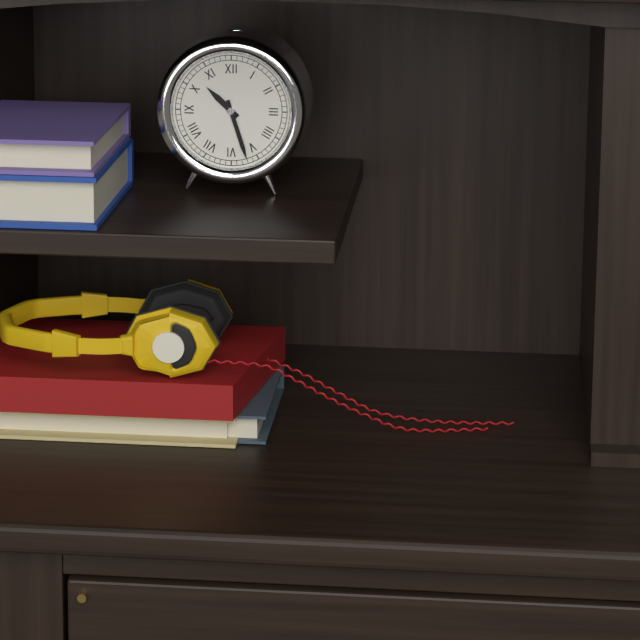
10,27
